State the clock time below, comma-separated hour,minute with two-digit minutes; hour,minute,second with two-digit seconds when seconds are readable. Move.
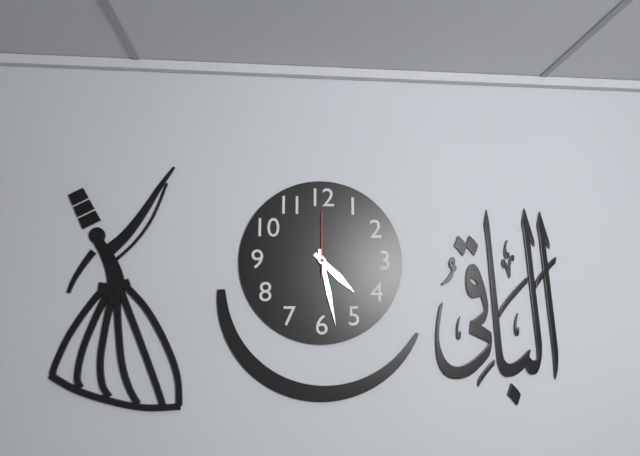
4,28,00
